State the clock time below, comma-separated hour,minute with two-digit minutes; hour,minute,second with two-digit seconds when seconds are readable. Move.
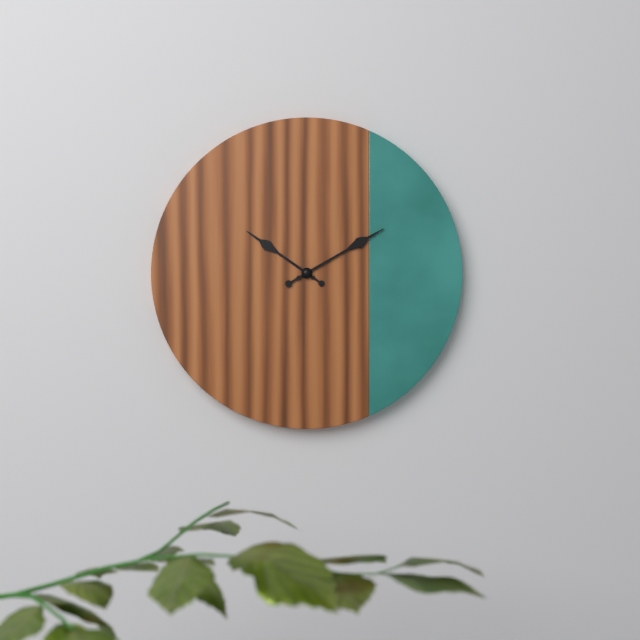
10,10
